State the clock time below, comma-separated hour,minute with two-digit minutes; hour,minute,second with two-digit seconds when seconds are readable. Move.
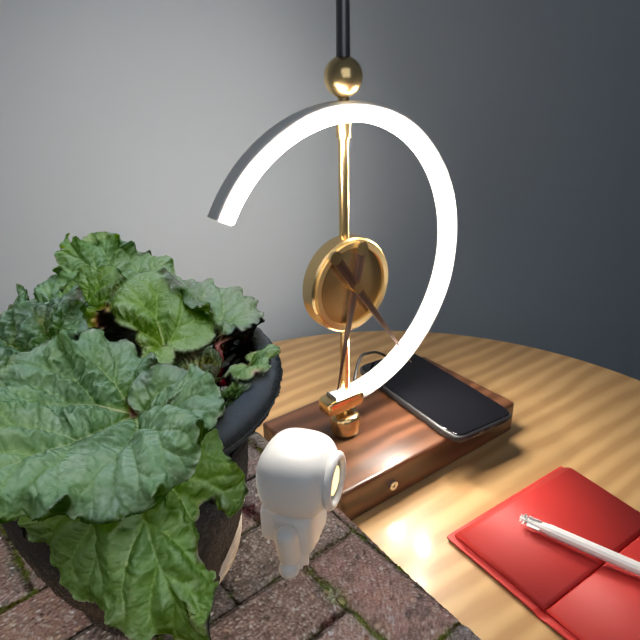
6,24
